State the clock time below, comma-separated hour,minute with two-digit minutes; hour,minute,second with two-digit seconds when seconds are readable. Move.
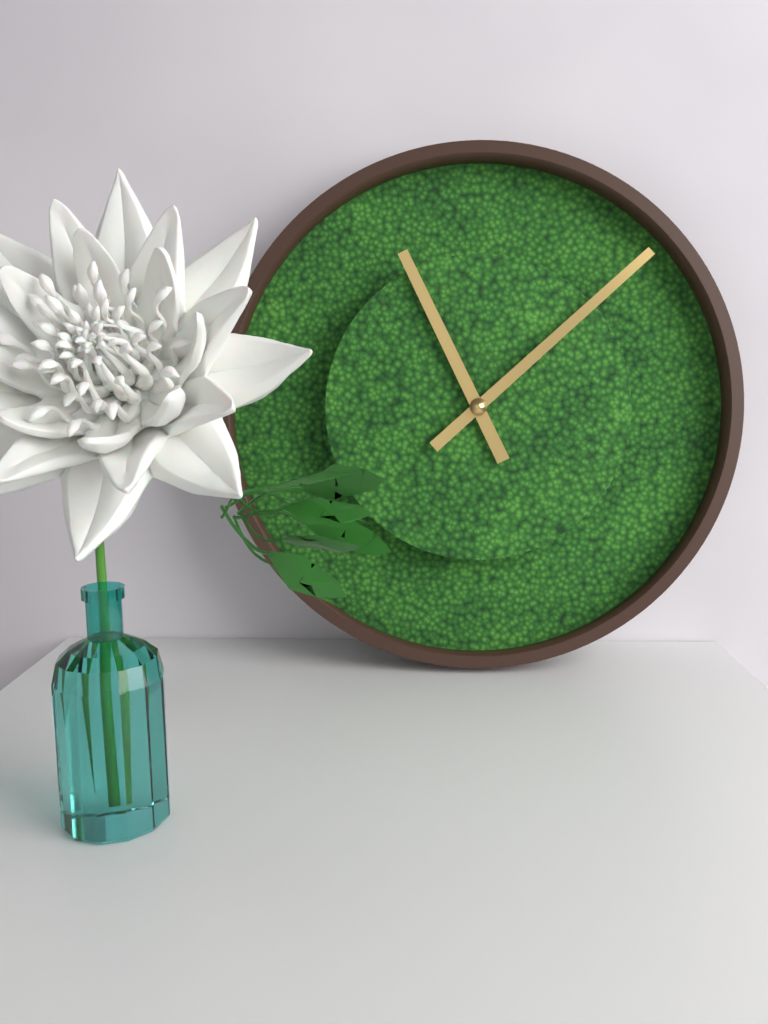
11,08
